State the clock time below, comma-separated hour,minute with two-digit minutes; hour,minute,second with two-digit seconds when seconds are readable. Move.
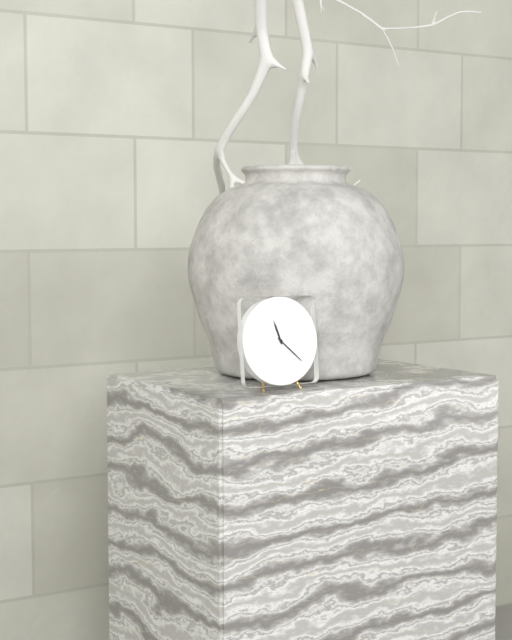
11,22
